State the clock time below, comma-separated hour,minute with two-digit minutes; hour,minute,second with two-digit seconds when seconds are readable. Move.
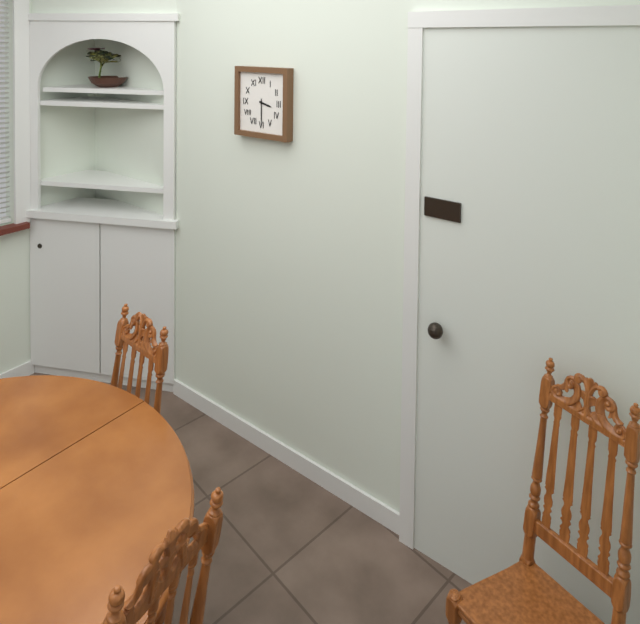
3,30
